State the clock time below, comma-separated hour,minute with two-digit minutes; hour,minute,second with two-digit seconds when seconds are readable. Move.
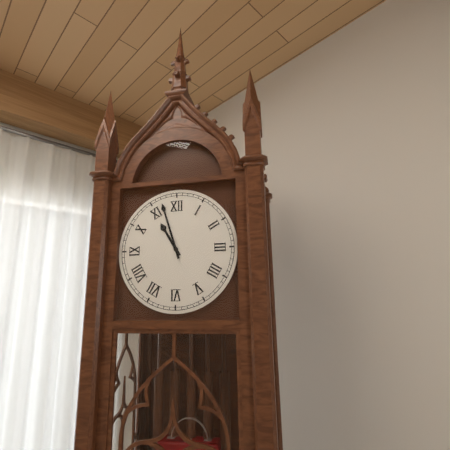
10,57
